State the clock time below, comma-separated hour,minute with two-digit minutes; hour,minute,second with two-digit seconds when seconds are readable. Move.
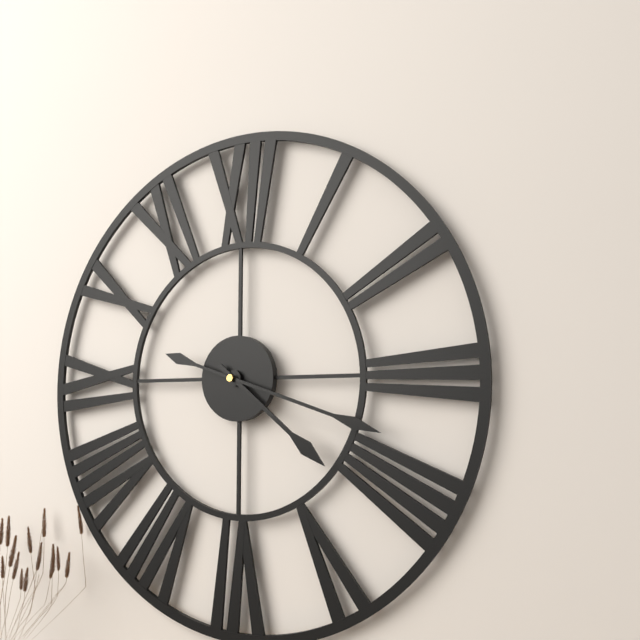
4,18
